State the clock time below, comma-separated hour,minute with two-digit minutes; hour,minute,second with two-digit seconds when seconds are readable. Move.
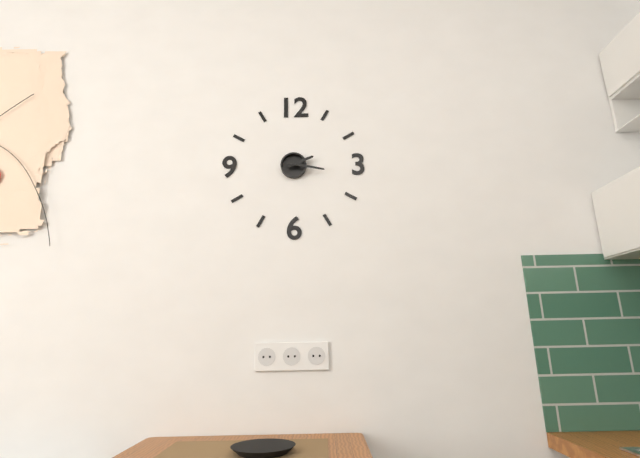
2,17
